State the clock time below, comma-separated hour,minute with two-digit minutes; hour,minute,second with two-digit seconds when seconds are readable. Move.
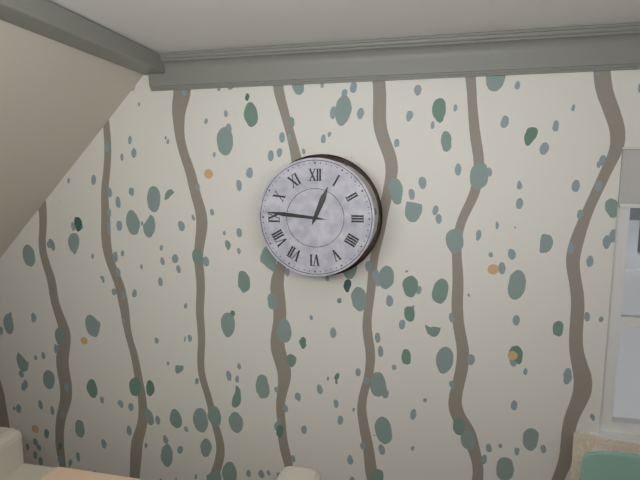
12,46
